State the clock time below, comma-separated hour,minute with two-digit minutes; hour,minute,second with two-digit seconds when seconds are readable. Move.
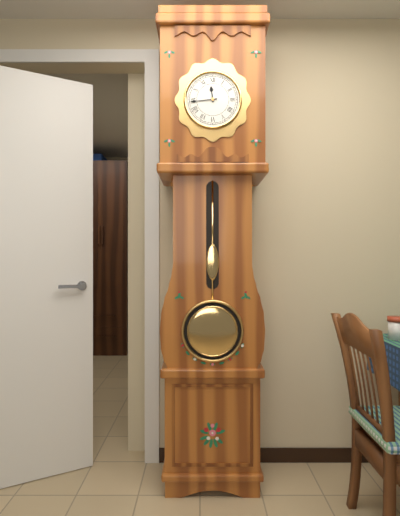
11,44
